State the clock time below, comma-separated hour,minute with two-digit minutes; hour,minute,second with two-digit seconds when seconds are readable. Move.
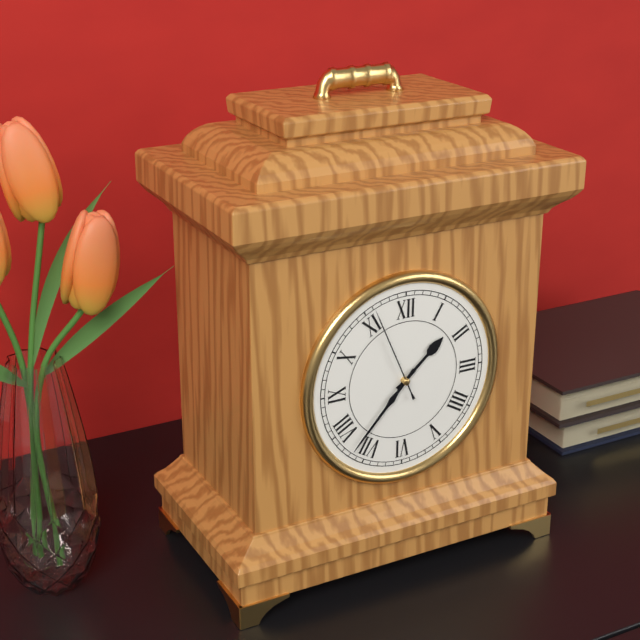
1,37,56
